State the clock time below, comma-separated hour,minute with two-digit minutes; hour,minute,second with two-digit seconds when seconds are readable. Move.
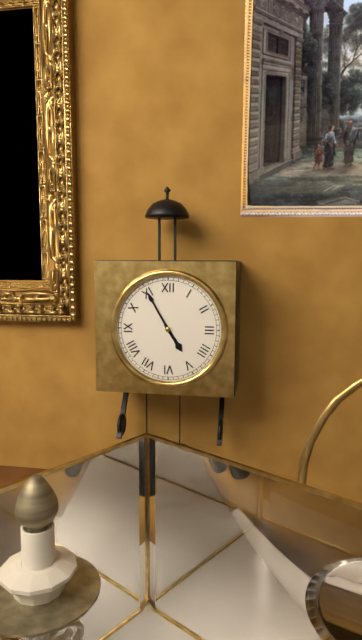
4,55
